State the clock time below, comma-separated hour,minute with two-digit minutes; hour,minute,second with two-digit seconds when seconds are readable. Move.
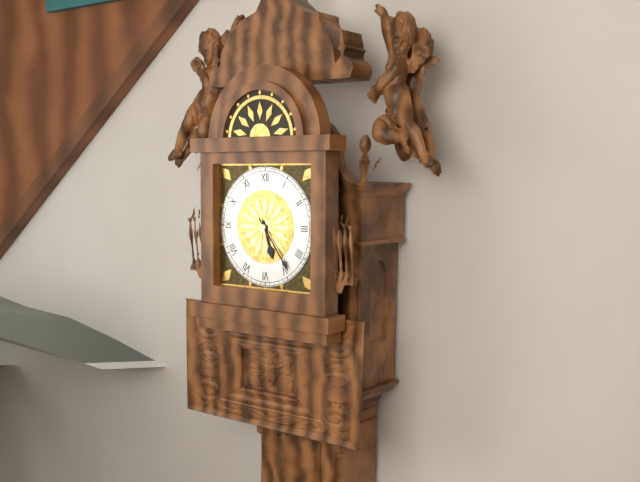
5,24
